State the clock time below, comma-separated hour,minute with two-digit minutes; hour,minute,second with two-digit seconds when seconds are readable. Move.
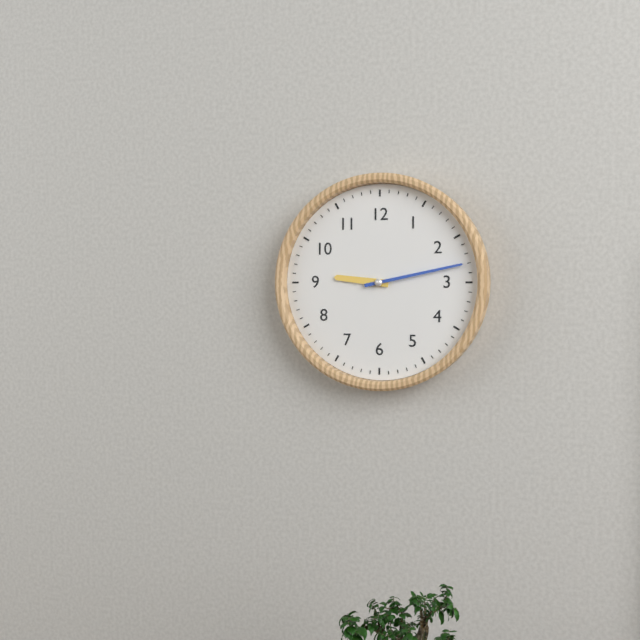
9,13
